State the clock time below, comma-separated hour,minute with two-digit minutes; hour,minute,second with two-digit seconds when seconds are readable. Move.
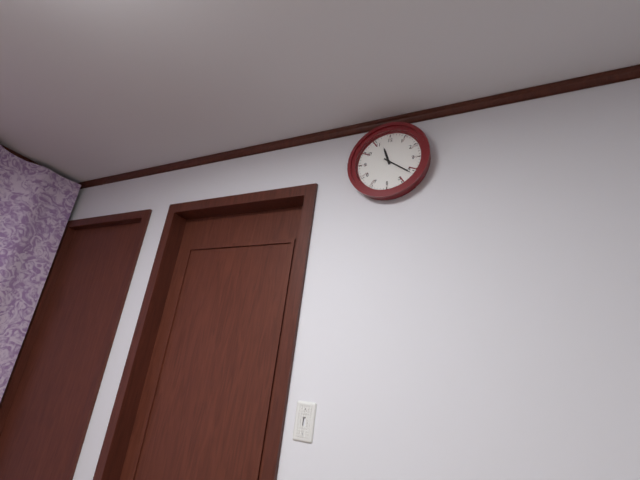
11,21
